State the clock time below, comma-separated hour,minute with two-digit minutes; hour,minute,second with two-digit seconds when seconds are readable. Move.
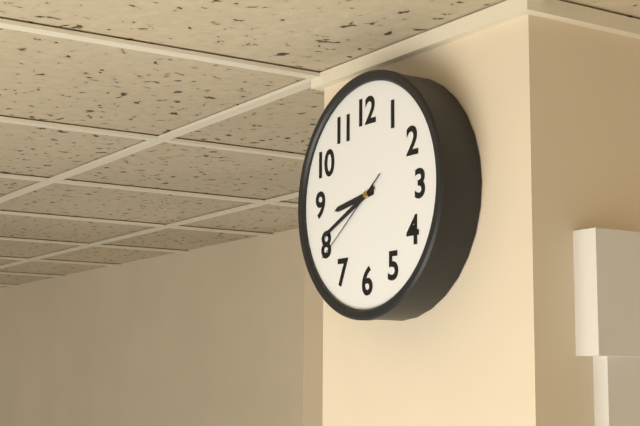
8,41,39
